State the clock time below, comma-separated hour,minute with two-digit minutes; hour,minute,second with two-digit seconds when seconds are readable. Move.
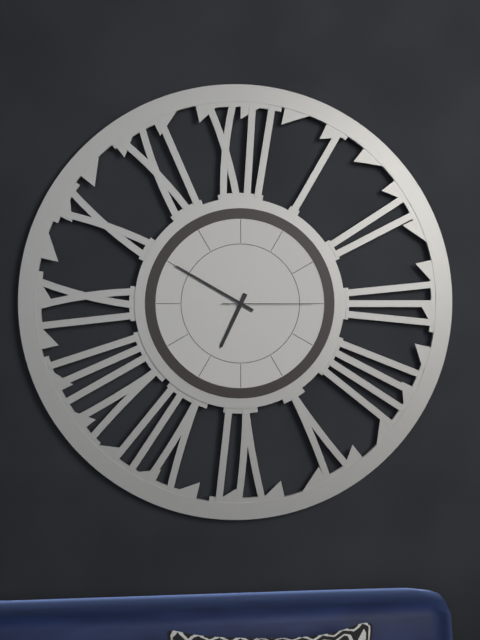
6,50,15
